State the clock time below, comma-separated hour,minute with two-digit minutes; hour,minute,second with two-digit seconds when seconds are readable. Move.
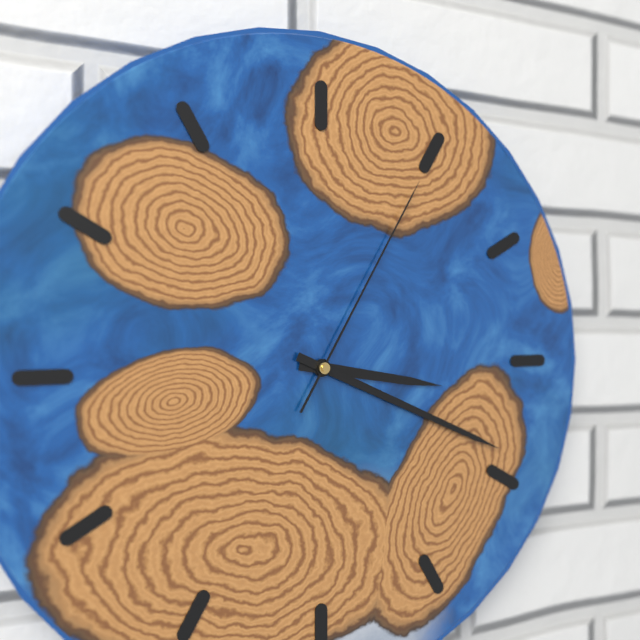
3,19,05
